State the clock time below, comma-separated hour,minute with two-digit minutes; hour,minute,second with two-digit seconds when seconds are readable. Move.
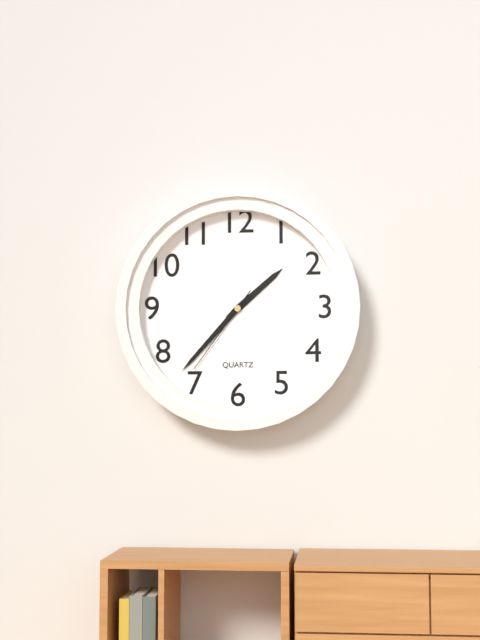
1,37,36
